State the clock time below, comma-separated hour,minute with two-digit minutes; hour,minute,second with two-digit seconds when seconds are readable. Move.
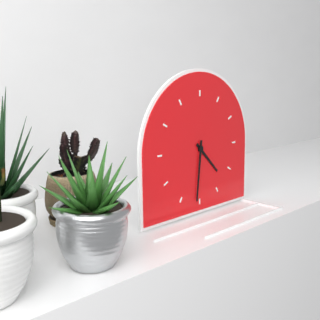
4,31
